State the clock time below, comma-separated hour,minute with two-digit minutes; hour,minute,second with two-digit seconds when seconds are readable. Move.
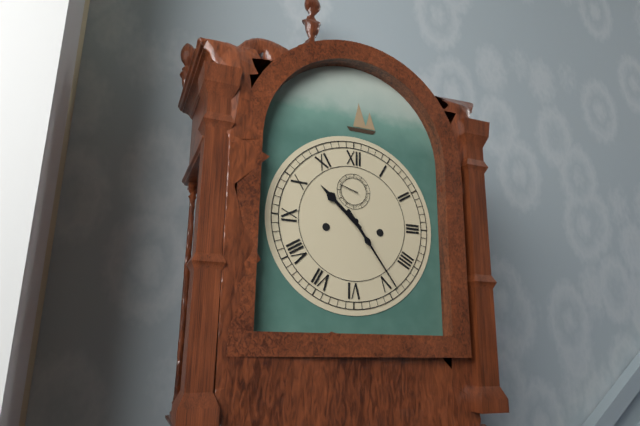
10,24
